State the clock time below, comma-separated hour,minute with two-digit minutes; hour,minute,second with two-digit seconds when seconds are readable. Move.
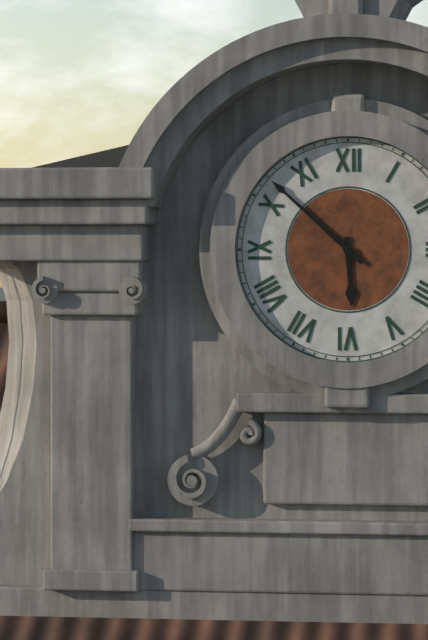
5,52
